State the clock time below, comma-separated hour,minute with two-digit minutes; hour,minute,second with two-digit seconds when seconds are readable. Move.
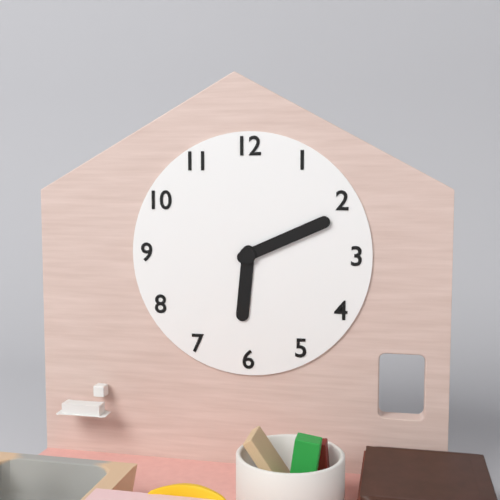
6,11
